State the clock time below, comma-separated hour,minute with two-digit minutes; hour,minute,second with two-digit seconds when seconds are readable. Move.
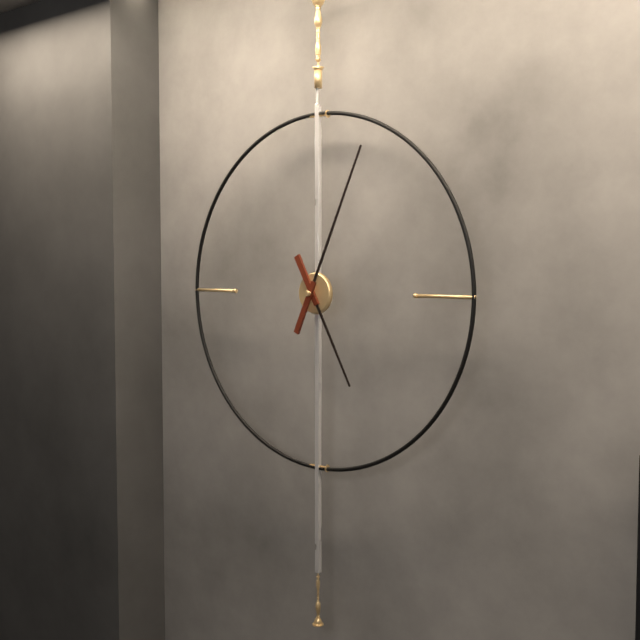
5,04
